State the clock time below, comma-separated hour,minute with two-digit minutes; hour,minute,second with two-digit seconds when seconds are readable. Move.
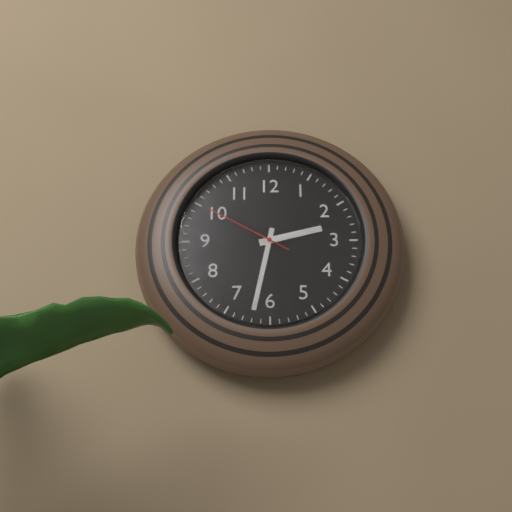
2,32,50
